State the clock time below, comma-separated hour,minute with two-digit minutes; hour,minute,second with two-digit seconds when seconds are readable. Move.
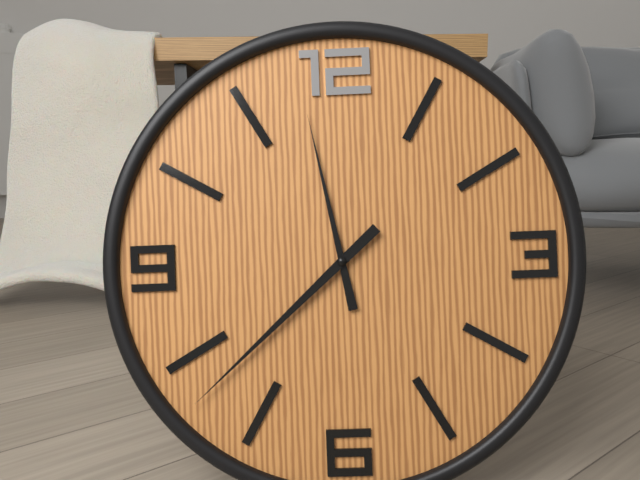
11,38
